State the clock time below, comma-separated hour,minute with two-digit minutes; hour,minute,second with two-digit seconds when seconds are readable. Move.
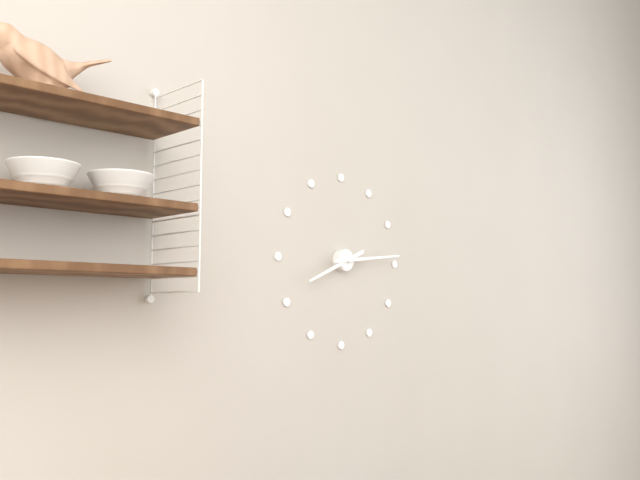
8,14
